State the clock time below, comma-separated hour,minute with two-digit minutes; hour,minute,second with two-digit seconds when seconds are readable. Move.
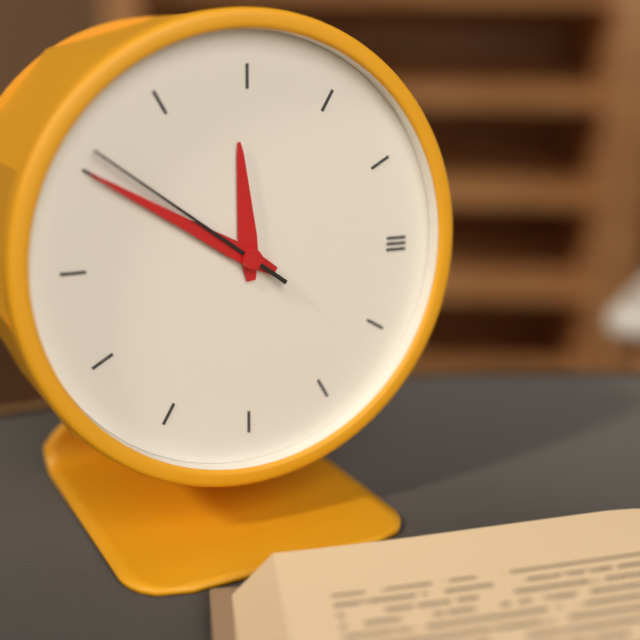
11,50,51
